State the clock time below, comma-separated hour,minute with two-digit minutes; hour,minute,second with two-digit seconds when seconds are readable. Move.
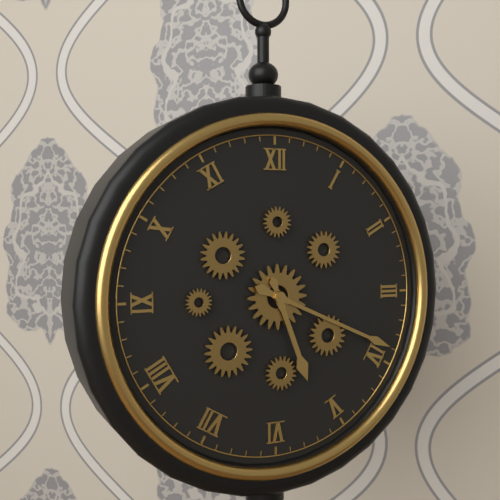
5,19
